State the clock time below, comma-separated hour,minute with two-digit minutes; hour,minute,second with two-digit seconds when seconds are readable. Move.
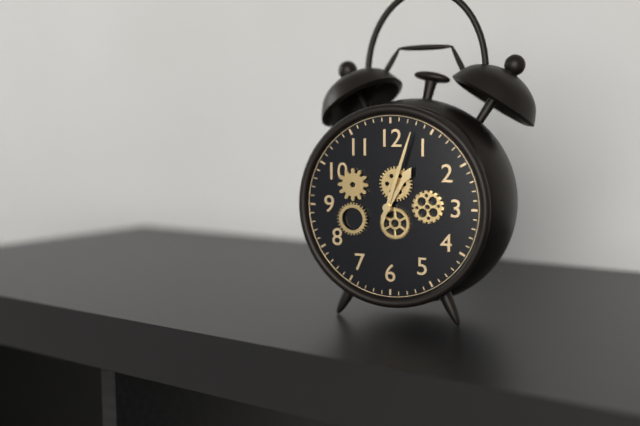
1,03
